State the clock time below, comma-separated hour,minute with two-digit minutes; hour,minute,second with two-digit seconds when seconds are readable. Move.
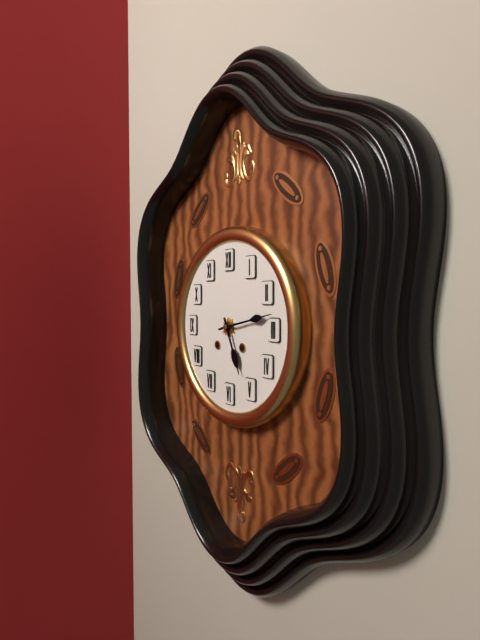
5,13
